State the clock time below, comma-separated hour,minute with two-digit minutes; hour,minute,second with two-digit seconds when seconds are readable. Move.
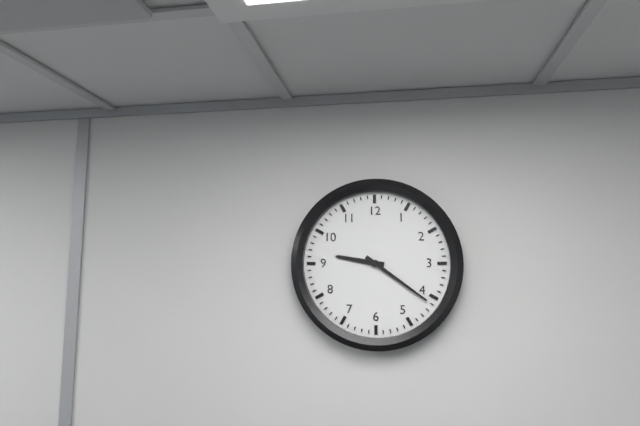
9,21
